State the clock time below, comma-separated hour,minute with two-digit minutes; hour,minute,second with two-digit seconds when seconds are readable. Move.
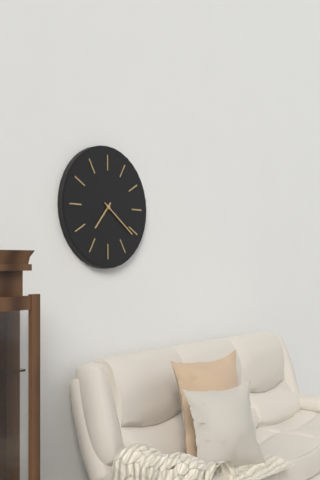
7,21
